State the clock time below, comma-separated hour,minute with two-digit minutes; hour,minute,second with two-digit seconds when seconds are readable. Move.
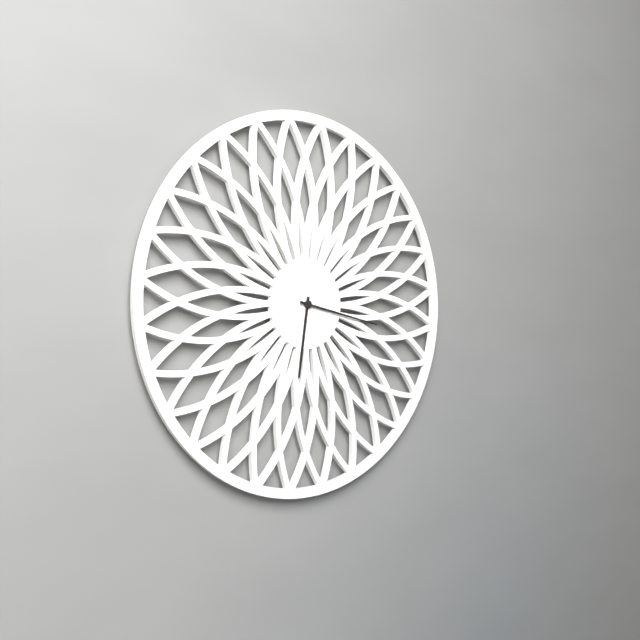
6,17
